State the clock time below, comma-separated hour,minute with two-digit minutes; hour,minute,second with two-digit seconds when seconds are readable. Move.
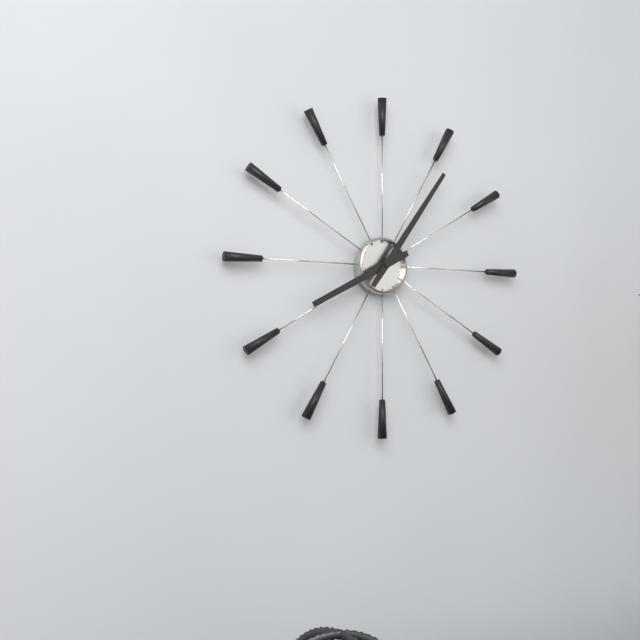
8,06
